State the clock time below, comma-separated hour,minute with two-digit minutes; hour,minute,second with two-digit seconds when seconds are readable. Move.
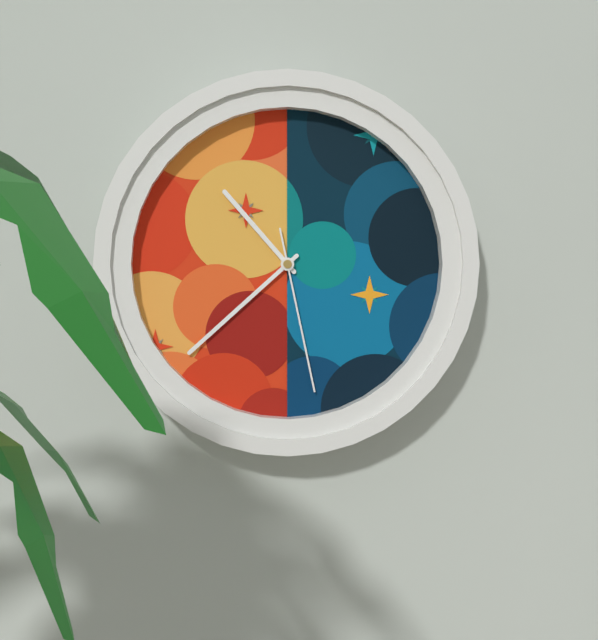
10,38,28
